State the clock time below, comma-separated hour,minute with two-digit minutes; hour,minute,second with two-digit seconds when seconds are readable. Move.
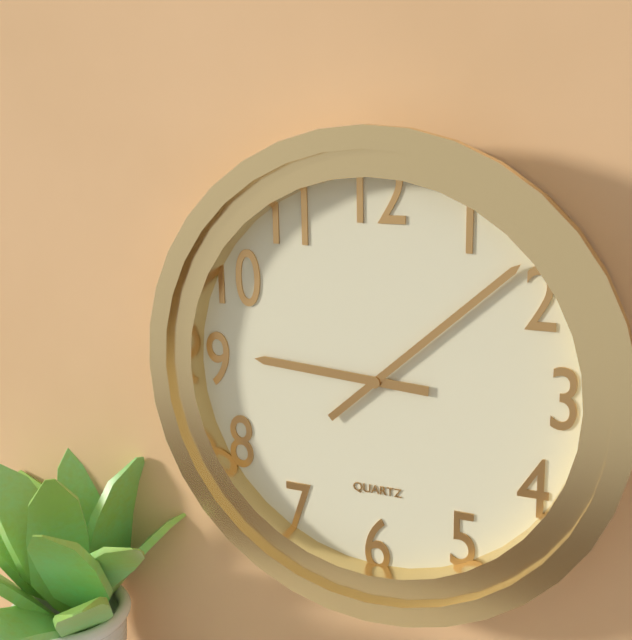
9,08
